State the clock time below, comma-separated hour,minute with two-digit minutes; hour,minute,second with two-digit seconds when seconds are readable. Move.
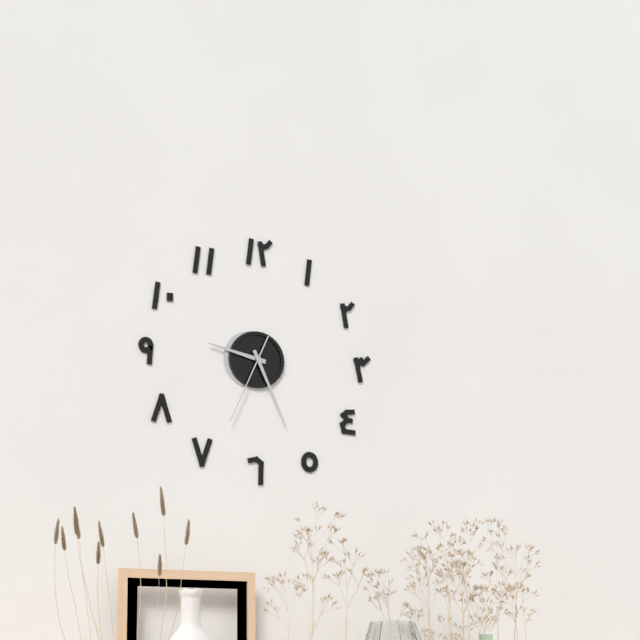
9,26,34
